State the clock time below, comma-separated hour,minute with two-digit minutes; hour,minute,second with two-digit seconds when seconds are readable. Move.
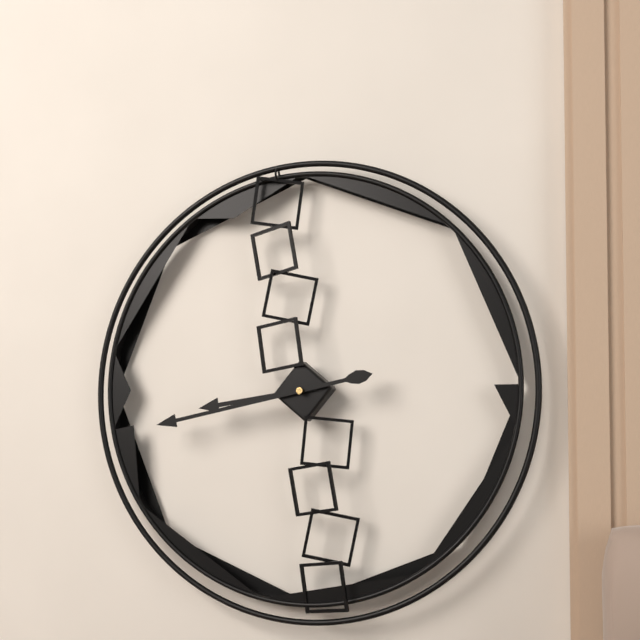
8,43
